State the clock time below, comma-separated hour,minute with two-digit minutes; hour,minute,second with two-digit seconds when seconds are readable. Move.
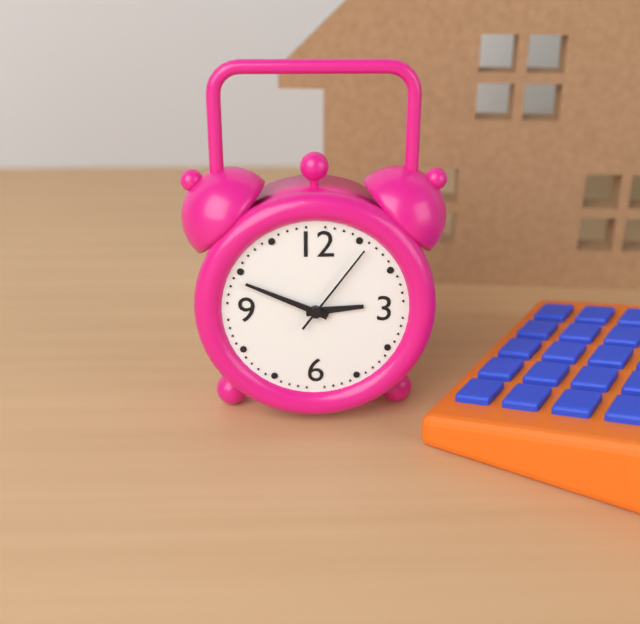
2,49,06
